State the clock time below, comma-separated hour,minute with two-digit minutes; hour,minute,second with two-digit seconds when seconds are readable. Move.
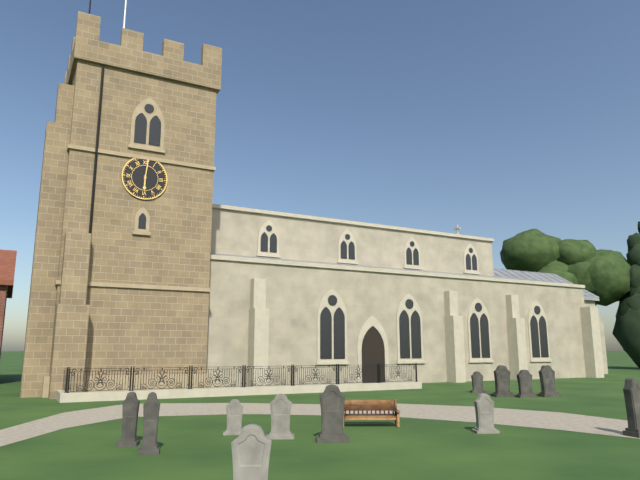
6,01
